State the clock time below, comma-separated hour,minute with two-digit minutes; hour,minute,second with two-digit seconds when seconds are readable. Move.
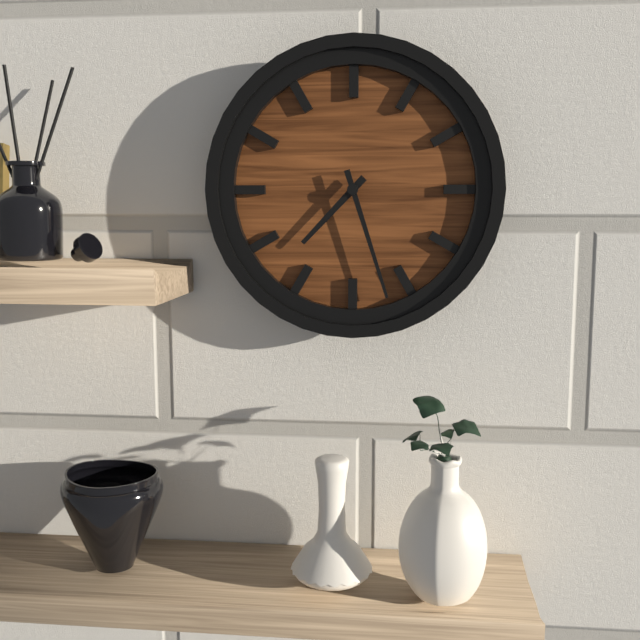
7,27
